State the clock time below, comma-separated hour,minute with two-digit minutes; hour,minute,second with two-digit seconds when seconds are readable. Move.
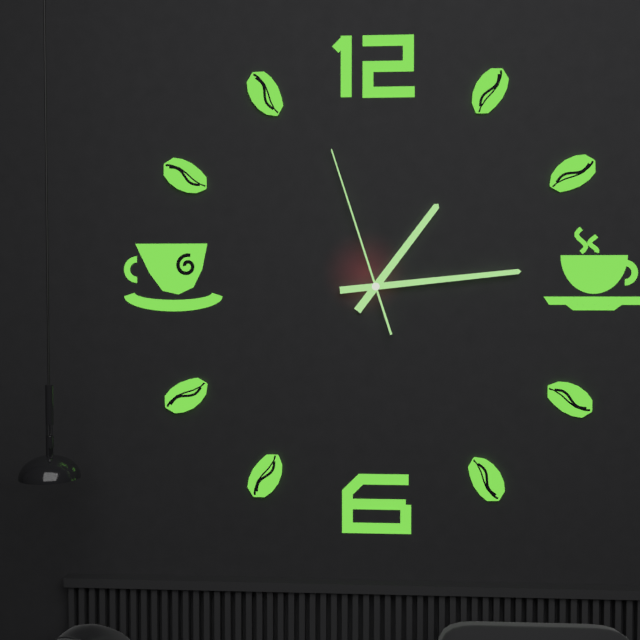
1,14,57
